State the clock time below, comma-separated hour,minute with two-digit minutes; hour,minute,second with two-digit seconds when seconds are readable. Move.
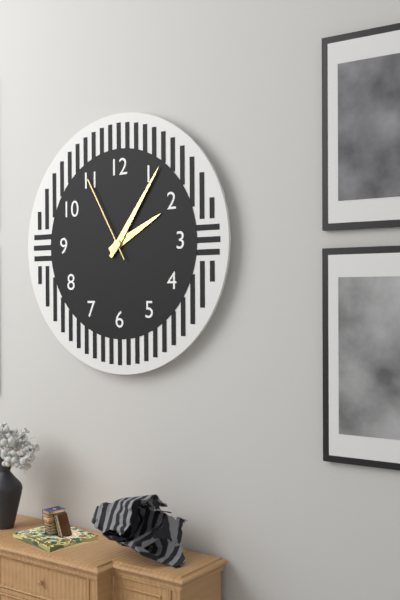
2,06,55
